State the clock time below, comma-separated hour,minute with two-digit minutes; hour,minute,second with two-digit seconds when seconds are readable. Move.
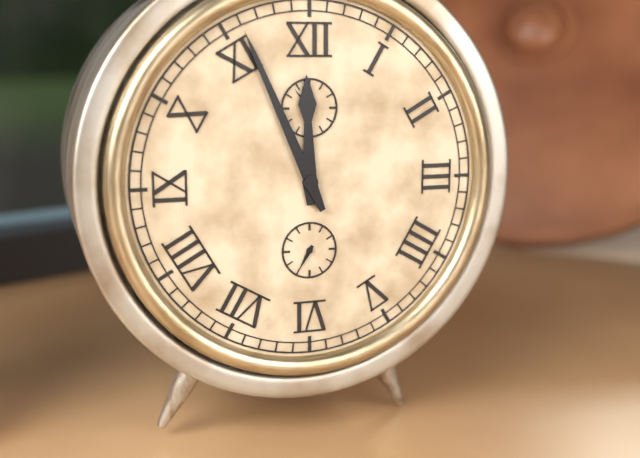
11,56
